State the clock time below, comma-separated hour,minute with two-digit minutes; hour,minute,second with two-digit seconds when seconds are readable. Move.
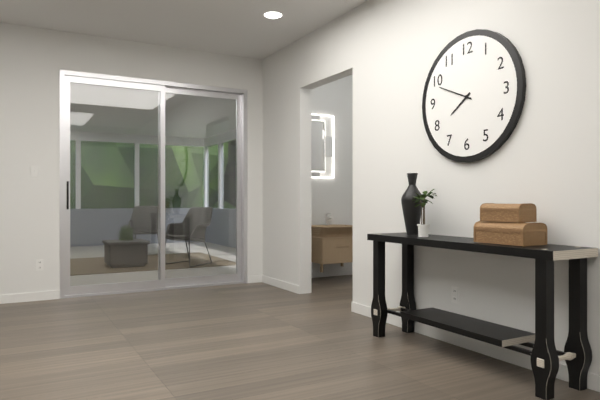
7,49
